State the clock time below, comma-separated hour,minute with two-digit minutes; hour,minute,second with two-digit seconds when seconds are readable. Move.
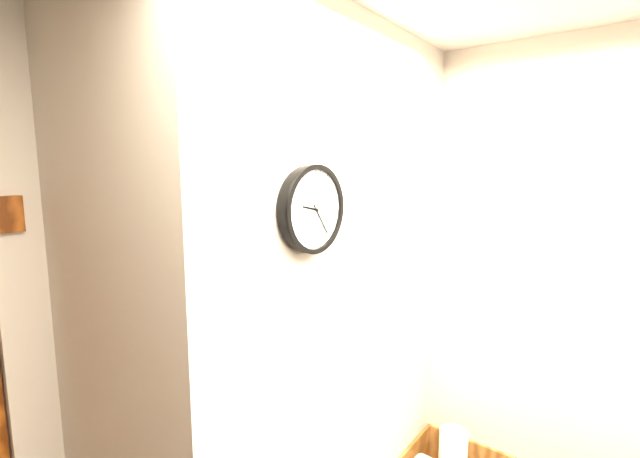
9,24
